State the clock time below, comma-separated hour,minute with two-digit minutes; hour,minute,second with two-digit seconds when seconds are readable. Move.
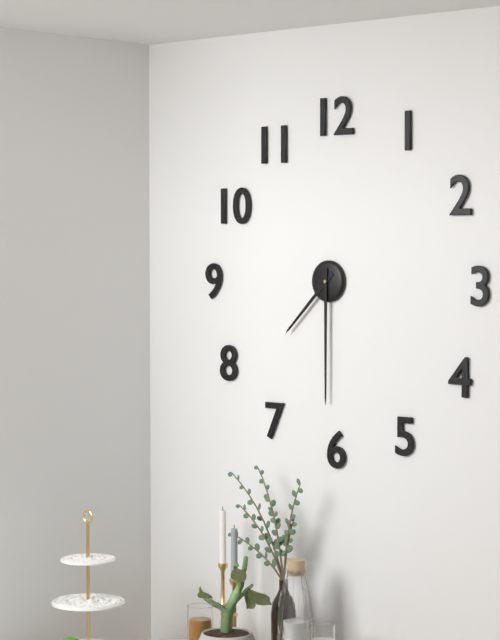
7,30
